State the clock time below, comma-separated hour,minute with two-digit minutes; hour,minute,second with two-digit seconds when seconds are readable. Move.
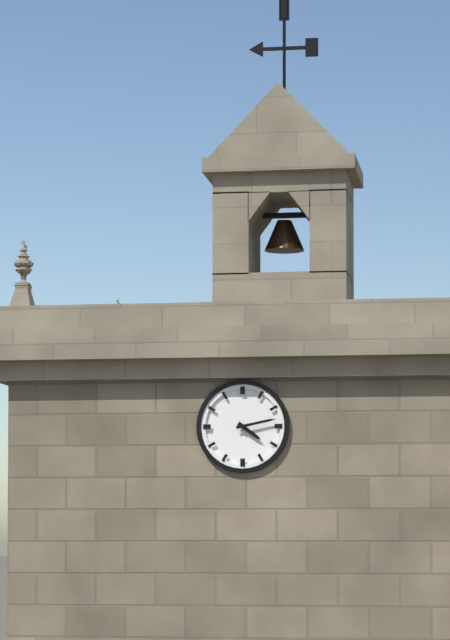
4,13
